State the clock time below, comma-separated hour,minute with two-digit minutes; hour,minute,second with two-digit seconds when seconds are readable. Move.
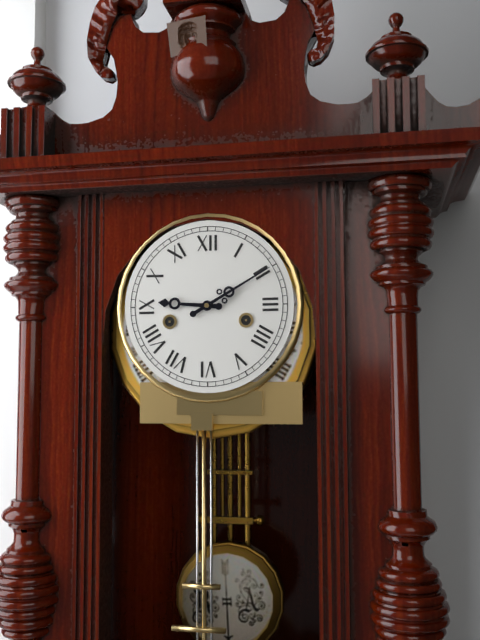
9,10
